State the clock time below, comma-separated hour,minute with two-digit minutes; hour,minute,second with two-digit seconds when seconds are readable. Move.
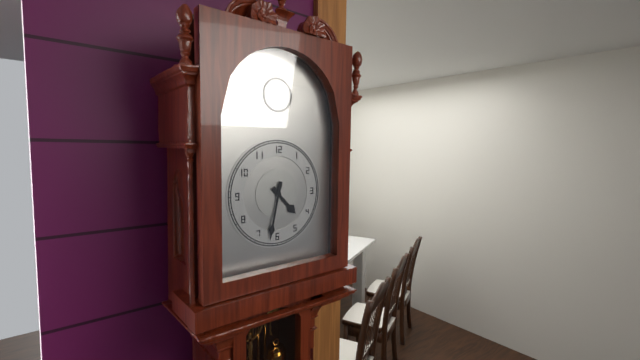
4,32
